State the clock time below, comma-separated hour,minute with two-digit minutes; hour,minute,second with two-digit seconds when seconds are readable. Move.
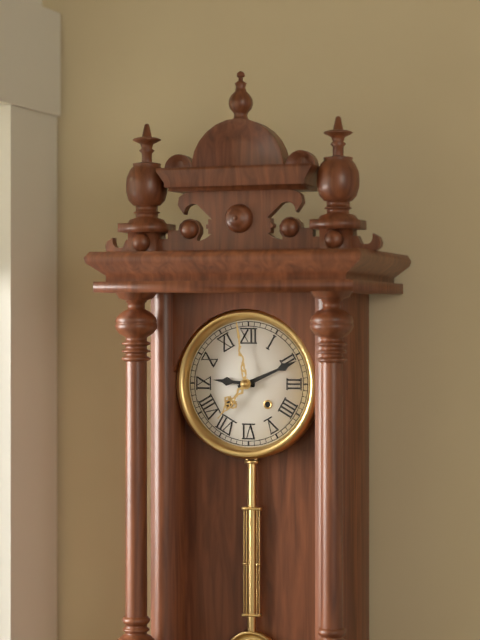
9,11
